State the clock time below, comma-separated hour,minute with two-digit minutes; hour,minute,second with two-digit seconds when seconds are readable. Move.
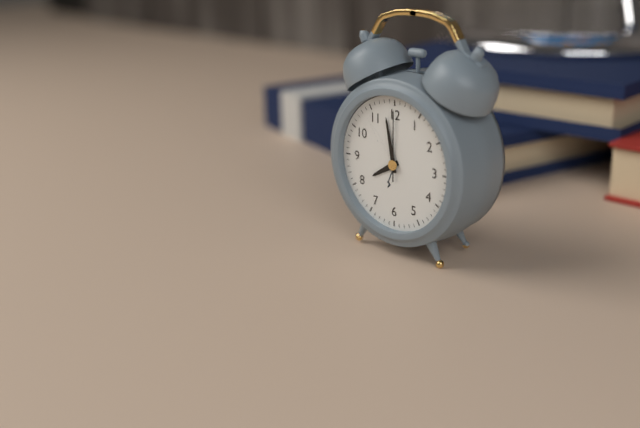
7,58,00
